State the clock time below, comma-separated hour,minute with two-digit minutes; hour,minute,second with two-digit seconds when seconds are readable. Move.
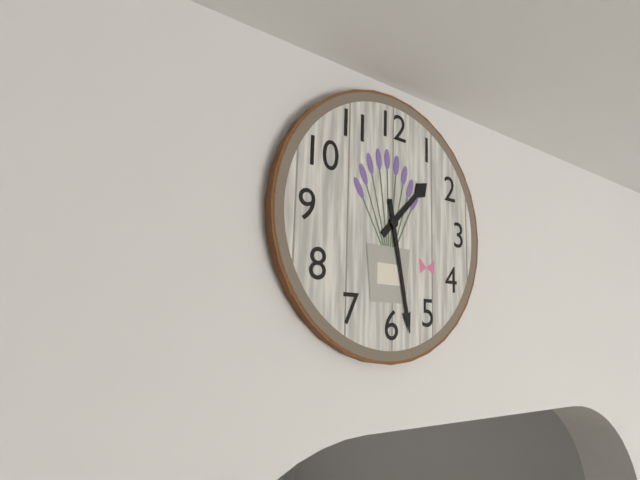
1,28
